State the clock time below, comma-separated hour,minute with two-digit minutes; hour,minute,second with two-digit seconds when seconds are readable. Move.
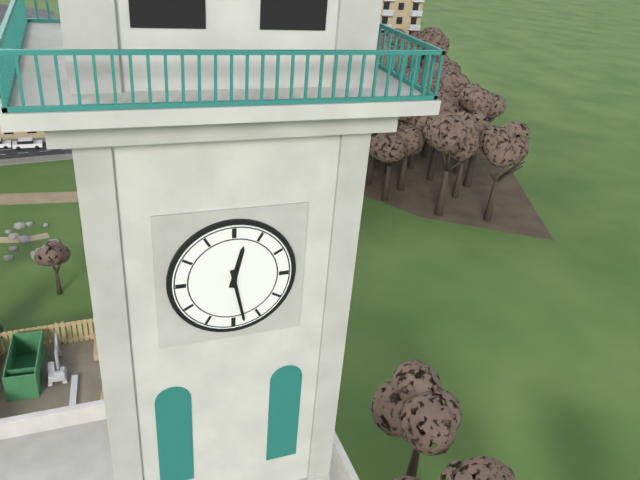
12,28
